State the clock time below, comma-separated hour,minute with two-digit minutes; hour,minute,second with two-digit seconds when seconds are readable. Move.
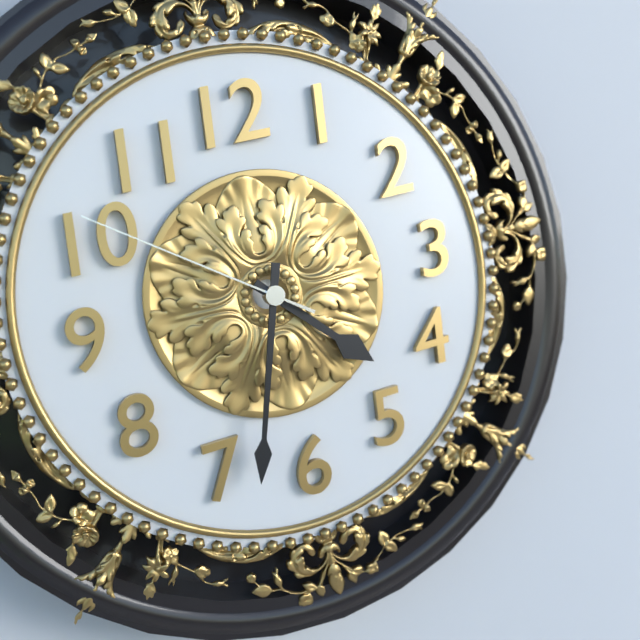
4,33,51
